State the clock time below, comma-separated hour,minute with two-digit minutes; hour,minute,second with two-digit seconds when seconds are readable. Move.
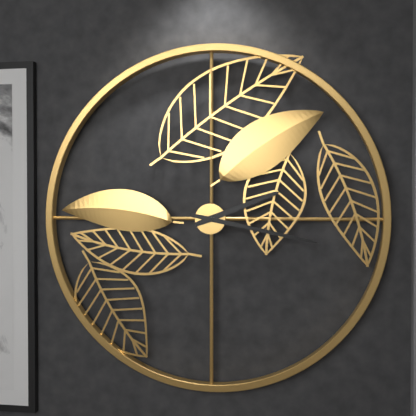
2,17
